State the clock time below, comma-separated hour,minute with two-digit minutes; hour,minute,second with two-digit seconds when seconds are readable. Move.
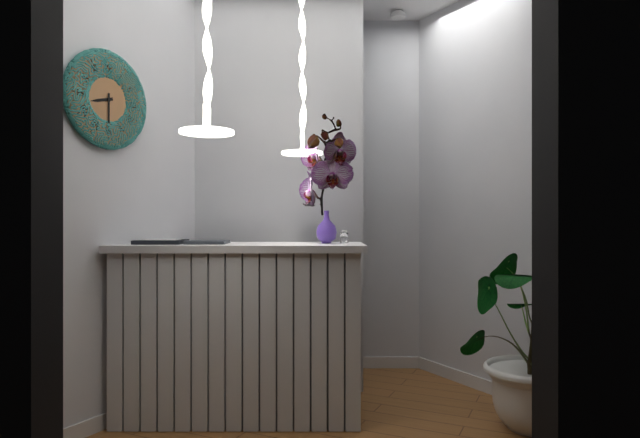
8,30
